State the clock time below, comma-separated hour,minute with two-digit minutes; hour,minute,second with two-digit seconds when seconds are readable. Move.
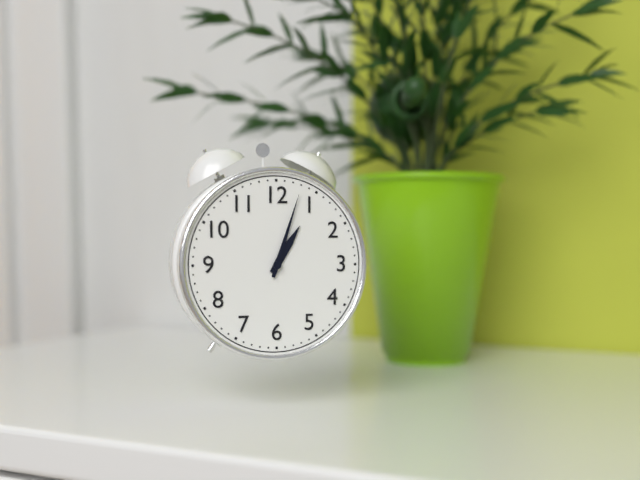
1,03
